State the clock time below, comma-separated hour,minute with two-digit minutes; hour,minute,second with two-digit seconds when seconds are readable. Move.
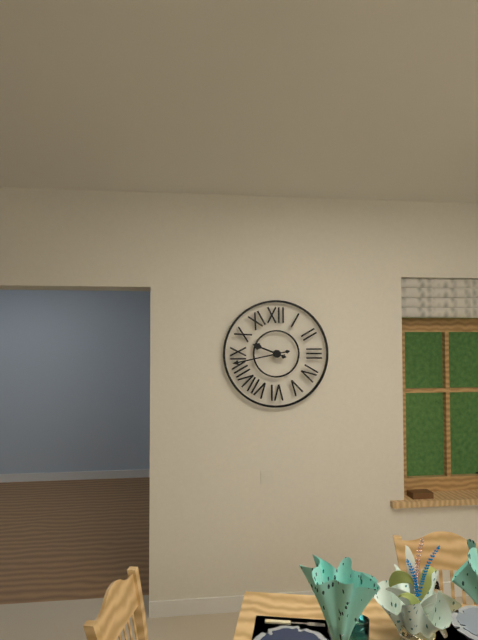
9,43
